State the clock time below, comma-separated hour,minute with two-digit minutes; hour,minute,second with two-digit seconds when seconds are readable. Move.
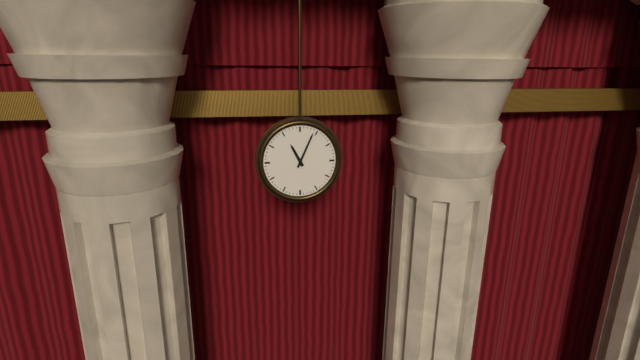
11,04
